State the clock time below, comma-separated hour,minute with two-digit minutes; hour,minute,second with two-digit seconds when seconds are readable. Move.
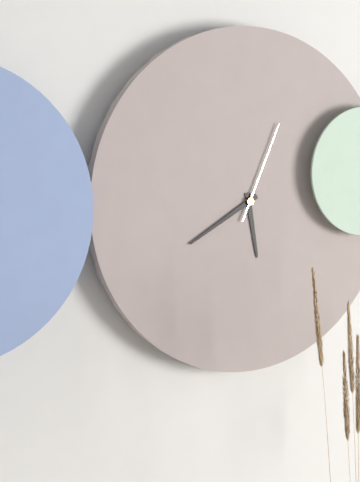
5,40,04
